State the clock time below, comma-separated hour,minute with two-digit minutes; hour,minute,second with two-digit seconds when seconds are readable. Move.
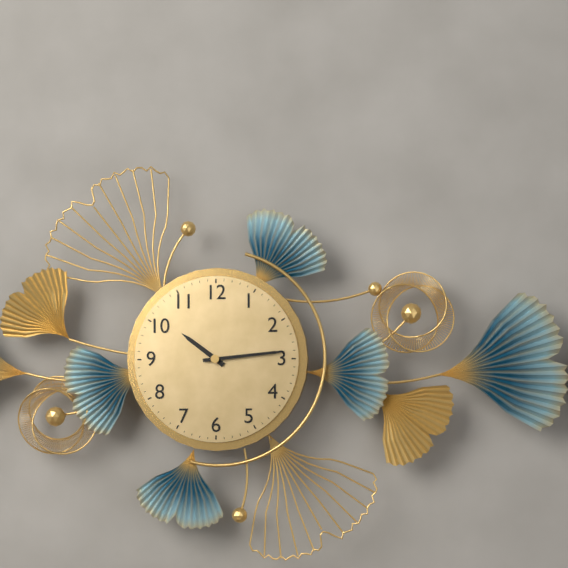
10,14
